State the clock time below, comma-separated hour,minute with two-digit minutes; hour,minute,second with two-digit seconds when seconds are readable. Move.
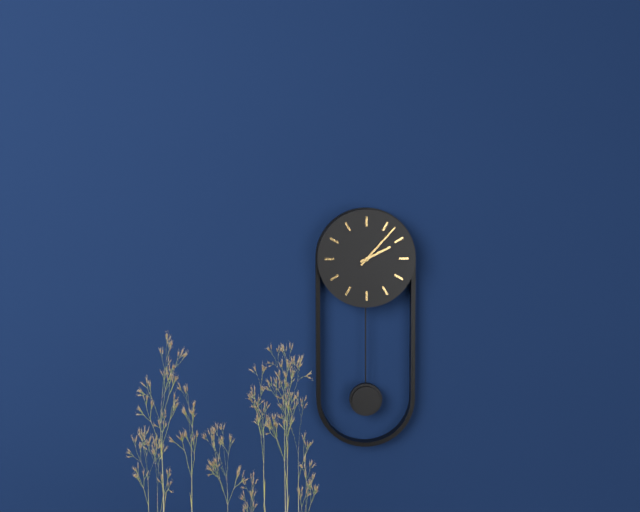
2,07
